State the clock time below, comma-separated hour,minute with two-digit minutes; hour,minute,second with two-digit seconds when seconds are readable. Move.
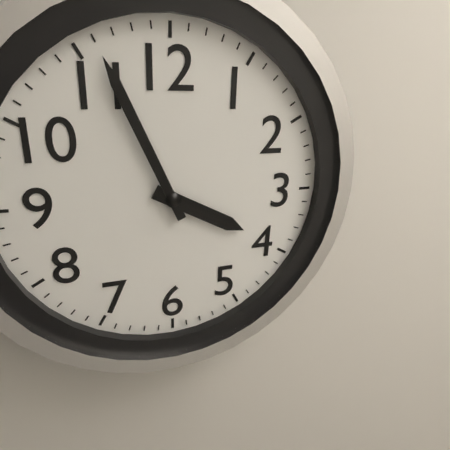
3,56
